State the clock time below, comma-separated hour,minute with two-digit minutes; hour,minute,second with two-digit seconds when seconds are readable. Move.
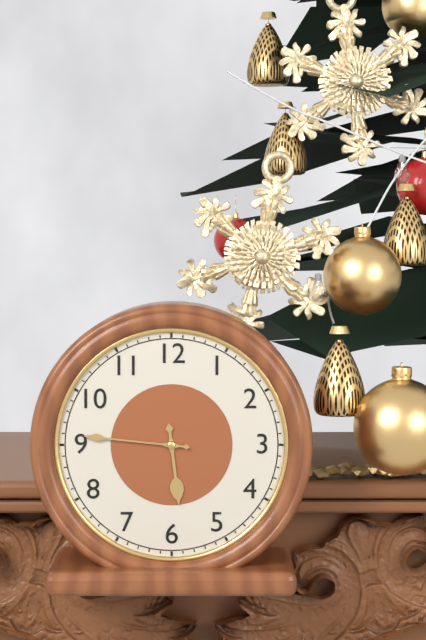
5,46
